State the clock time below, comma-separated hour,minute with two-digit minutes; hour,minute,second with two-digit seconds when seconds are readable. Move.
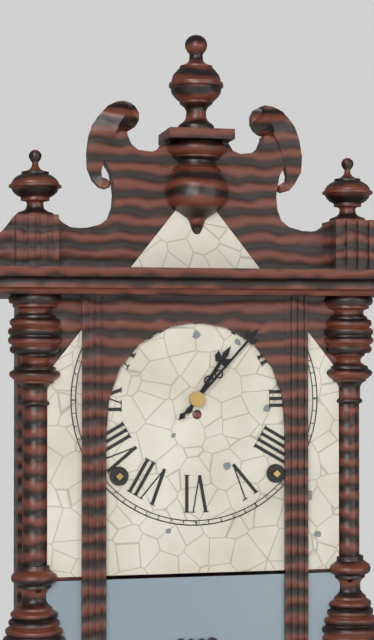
1,07
